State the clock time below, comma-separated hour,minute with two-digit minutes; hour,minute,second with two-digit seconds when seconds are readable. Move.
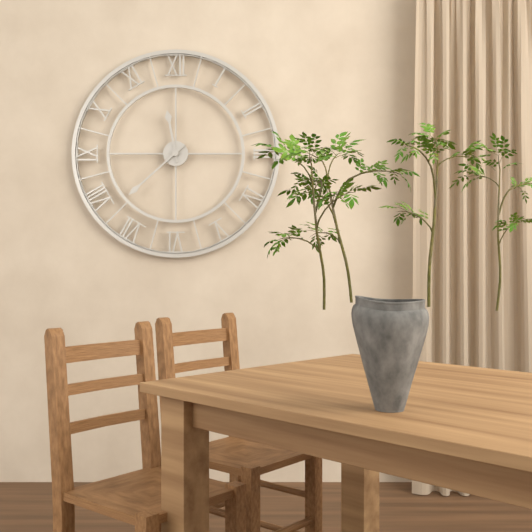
11,38
